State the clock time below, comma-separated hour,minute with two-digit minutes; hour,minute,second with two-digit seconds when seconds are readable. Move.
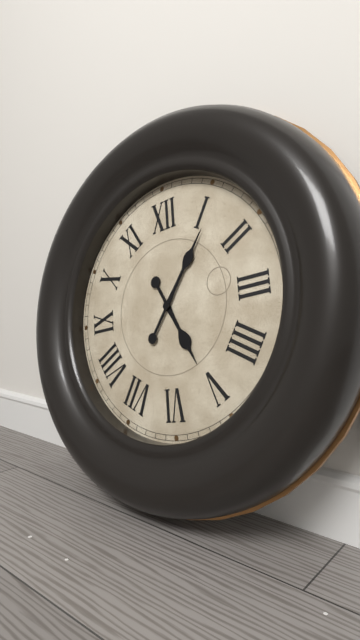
5,06
